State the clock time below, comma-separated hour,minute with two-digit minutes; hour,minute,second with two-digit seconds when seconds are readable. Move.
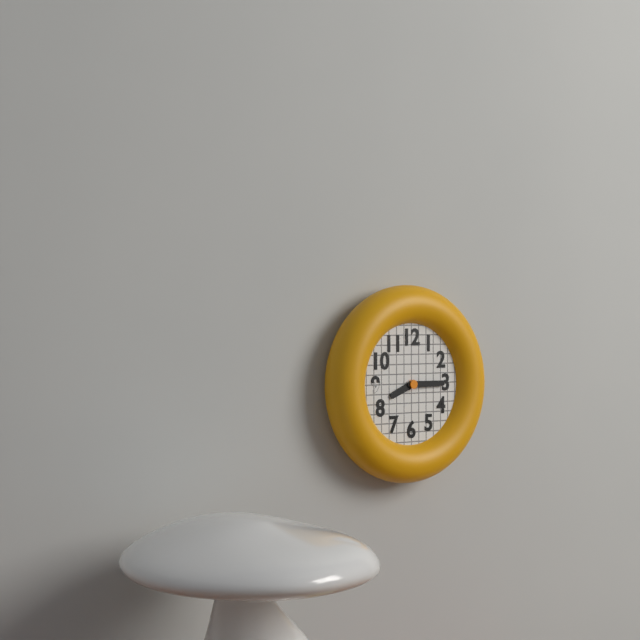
8,15
